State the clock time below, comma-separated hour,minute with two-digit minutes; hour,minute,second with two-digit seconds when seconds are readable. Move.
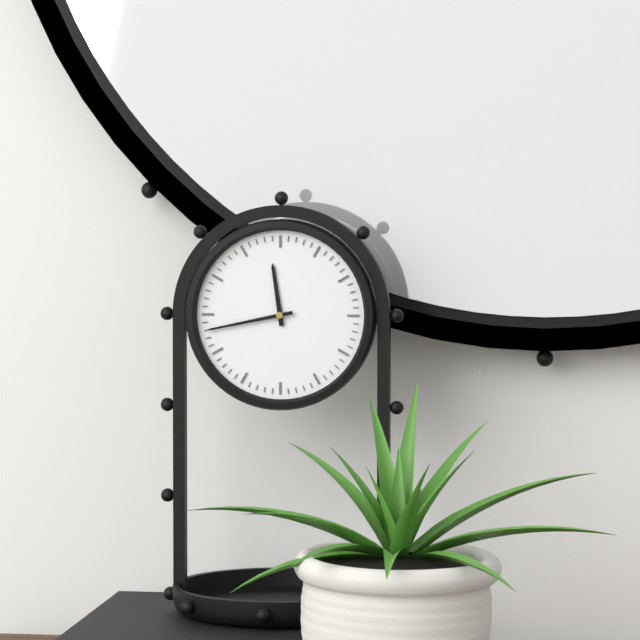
11,43
